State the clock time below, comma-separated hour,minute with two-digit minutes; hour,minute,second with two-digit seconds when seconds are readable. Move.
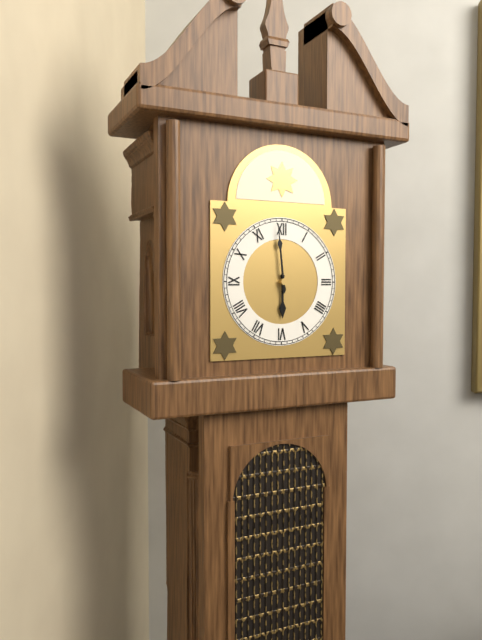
5,59
